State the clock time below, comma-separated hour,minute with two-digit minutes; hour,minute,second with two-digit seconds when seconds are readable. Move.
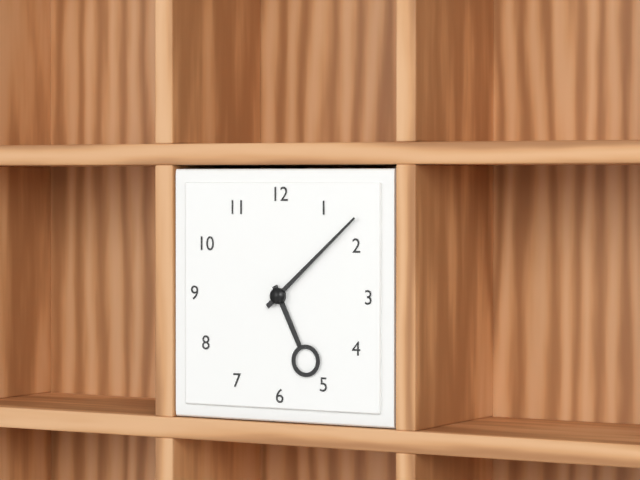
5,08
